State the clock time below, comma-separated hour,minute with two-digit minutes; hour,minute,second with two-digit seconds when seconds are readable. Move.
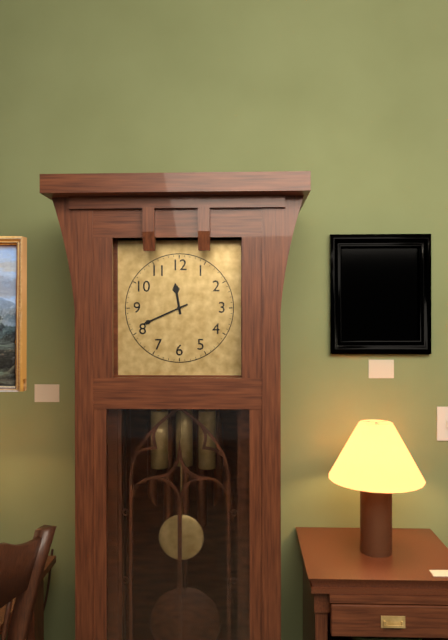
11,41
